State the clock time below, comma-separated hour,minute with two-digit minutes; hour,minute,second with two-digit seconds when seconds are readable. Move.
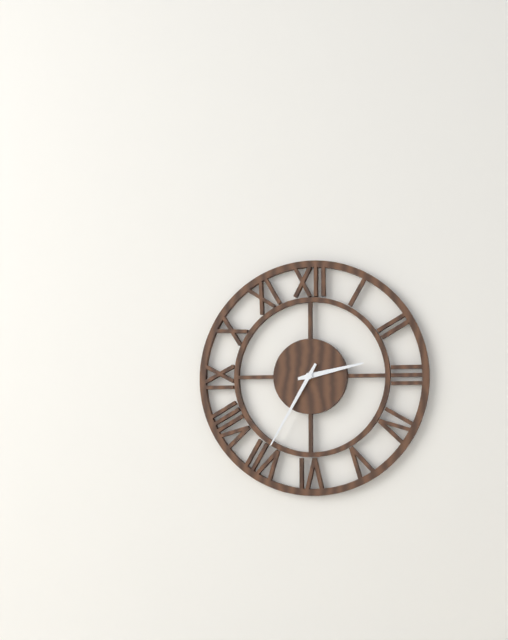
2,35
